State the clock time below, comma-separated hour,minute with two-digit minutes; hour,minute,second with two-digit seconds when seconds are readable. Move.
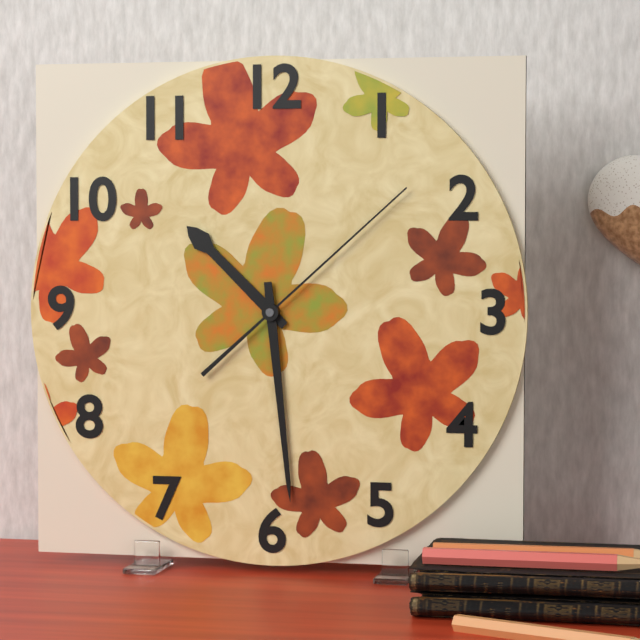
10,29,08
